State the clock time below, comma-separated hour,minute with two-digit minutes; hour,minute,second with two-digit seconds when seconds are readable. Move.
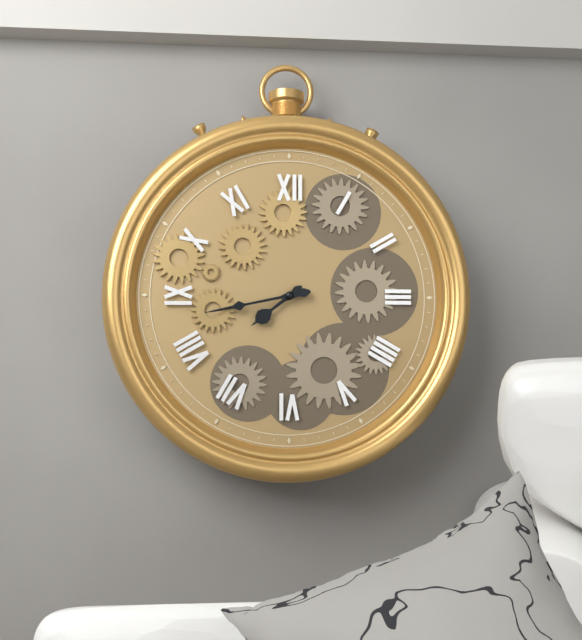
7,43
